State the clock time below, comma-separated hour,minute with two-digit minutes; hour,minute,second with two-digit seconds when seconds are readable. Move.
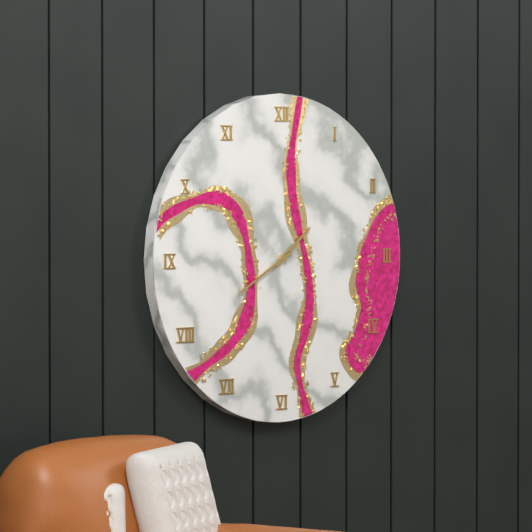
1,40
